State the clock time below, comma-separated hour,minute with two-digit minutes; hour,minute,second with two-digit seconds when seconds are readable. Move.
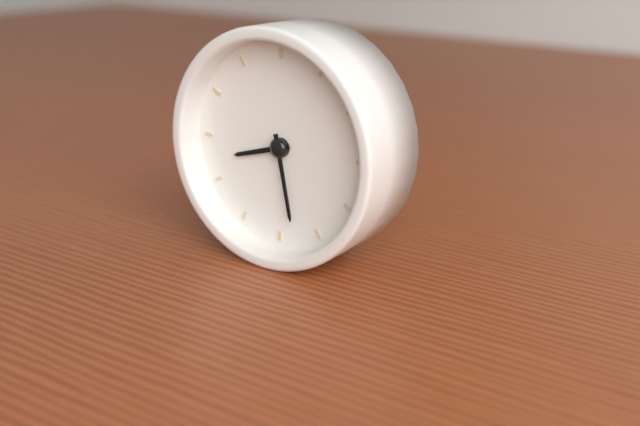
8,28
